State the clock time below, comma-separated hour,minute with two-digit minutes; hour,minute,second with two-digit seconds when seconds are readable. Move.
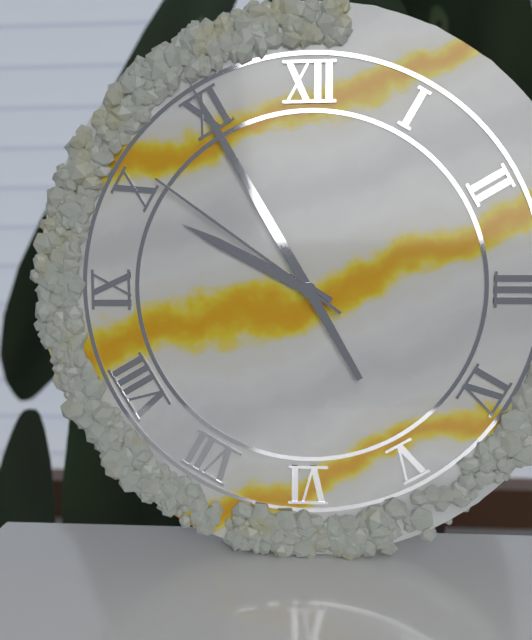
9,55,51
